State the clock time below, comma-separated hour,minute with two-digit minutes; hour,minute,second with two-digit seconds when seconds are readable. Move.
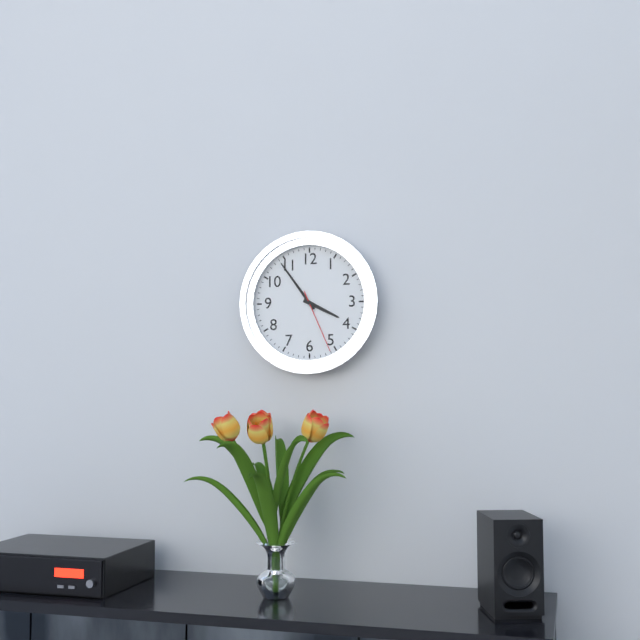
3,54,26
